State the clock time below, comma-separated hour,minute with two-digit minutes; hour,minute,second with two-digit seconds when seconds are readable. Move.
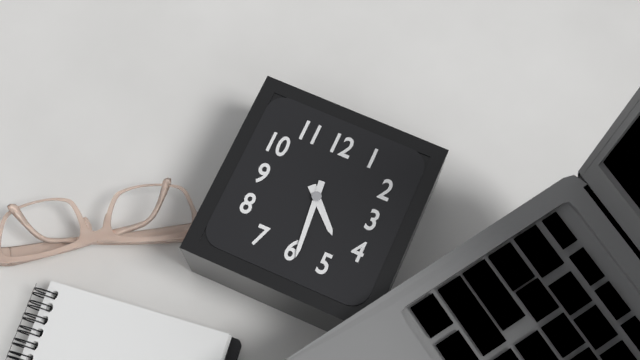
4,29
